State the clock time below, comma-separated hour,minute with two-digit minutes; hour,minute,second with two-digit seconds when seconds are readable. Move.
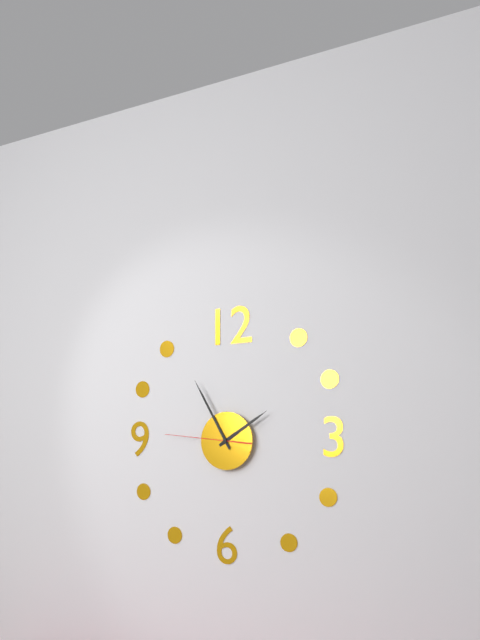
1,55,46
